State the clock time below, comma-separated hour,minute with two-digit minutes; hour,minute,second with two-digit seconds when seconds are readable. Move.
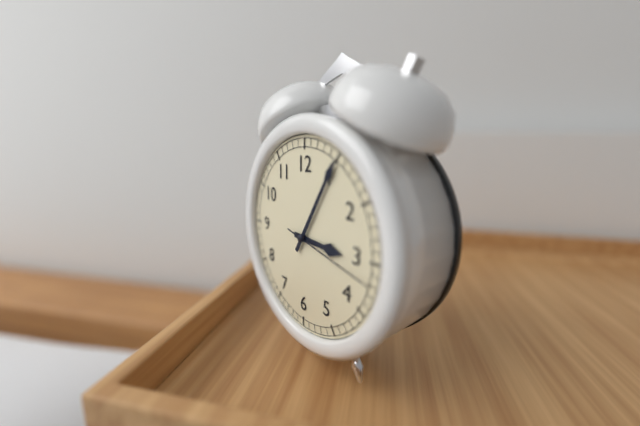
3,05,17
